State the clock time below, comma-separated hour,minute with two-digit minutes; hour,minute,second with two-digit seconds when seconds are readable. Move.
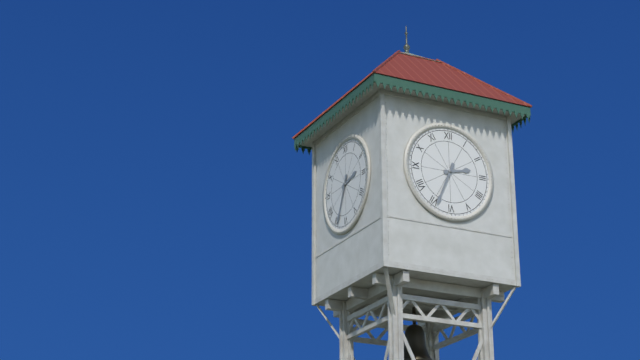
2,34
